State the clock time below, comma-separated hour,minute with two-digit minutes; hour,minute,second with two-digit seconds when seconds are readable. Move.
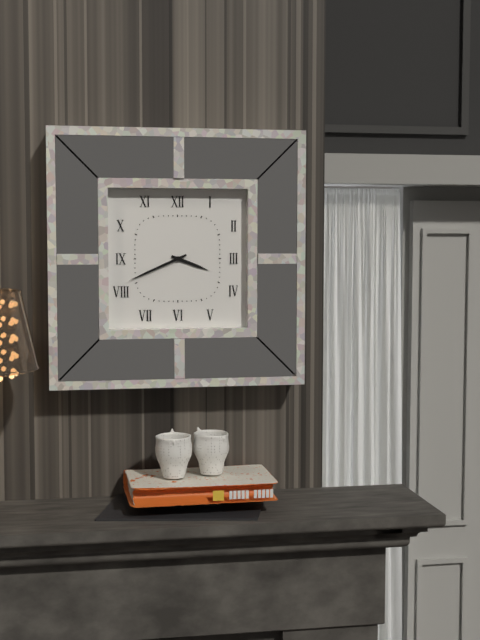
3,41
